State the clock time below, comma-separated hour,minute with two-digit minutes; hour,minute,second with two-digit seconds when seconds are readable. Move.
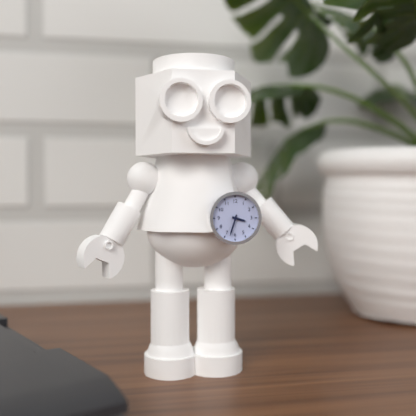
3,33
